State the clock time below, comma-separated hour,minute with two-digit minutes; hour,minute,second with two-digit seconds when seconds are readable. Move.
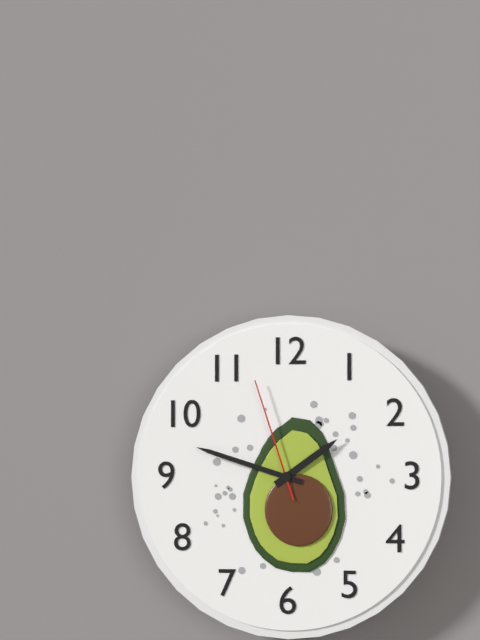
1,48,57
